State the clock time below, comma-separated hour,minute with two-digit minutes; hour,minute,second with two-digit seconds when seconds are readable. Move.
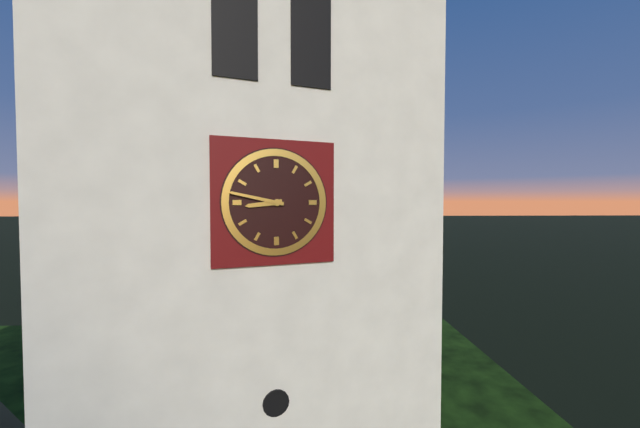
8,47
